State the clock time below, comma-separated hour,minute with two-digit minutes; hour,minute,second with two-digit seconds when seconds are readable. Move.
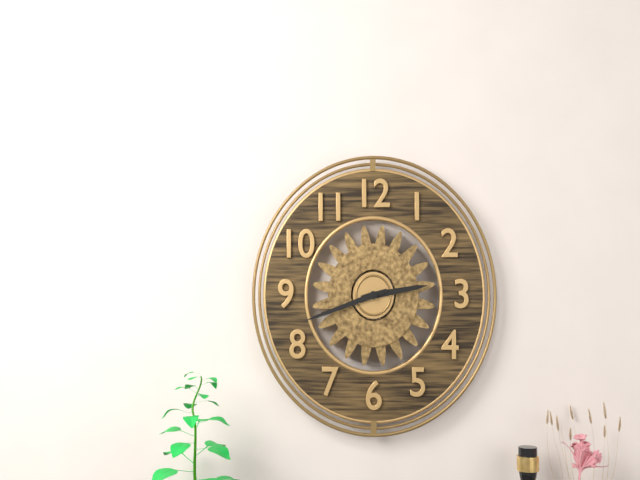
2,42
